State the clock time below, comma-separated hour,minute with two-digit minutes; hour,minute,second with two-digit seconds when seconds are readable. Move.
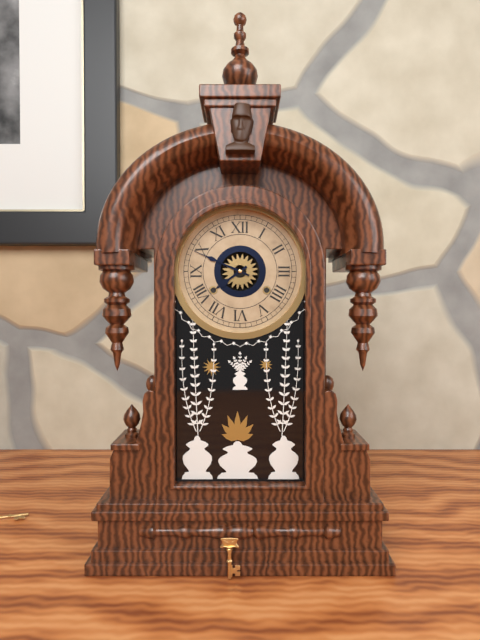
7,49
